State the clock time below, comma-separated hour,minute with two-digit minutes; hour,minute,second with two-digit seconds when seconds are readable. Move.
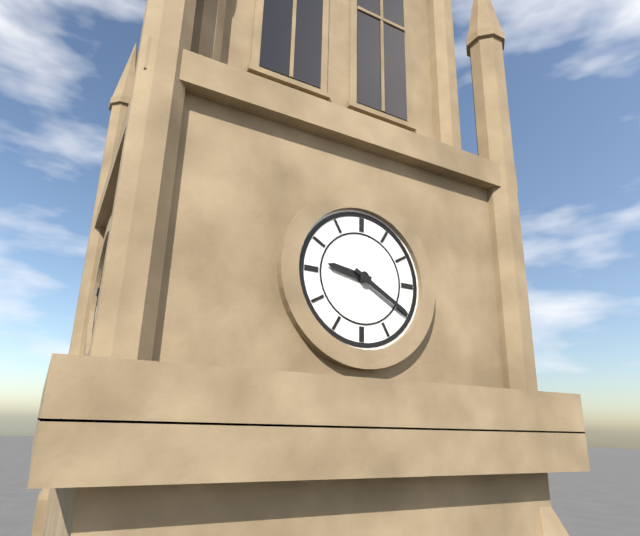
9,20
